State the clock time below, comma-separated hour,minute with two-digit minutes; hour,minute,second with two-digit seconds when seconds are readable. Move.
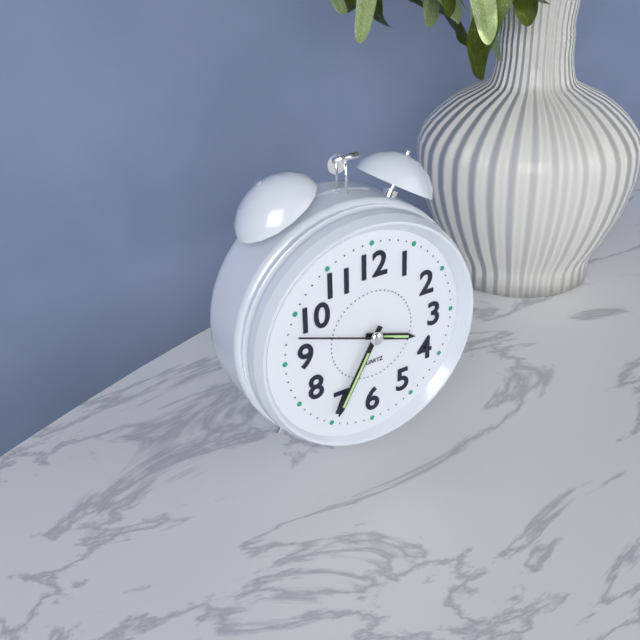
3,35,48
